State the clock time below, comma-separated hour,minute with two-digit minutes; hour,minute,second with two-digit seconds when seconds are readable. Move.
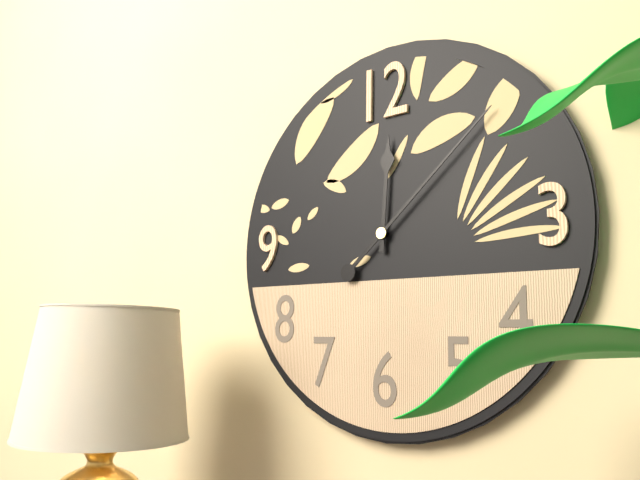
12,08
